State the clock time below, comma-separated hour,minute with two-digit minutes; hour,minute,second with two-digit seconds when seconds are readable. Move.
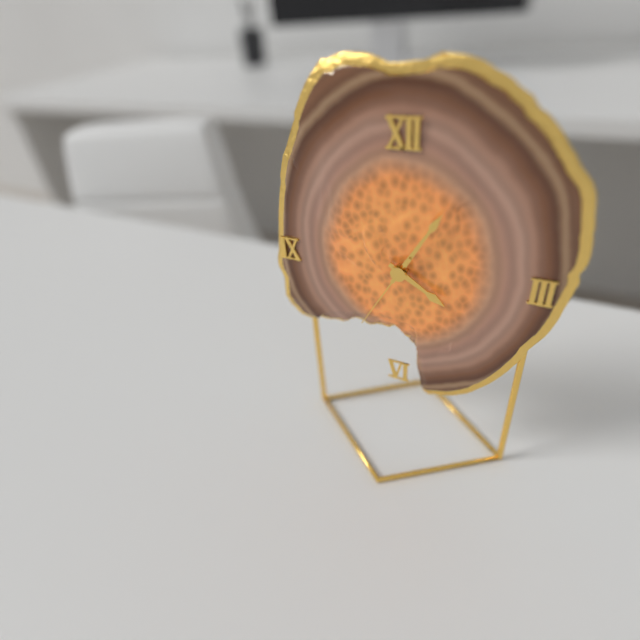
4,05,35
